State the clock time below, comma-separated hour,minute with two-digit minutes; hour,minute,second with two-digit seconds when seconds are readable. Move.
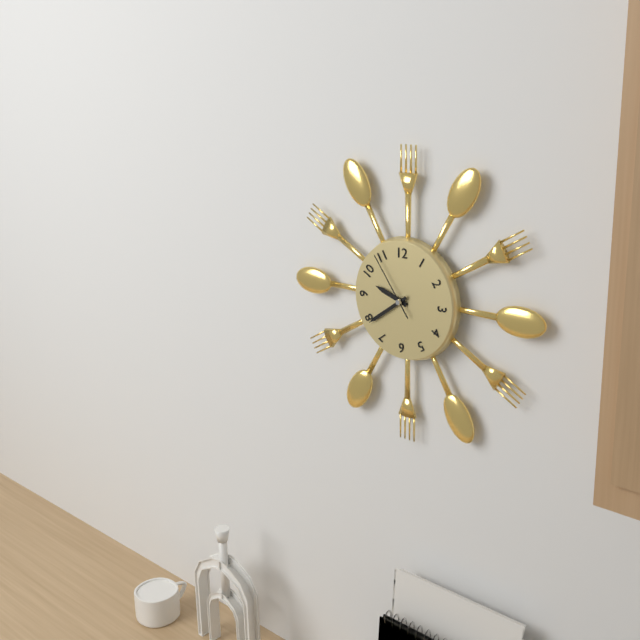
9,39,54
